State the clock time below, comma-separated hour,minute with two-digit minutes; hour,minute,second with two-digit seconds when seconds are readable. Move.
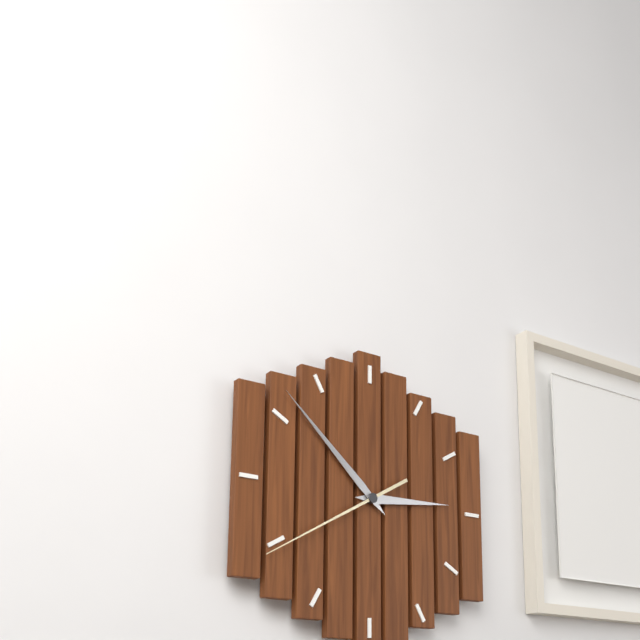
2,52,40
